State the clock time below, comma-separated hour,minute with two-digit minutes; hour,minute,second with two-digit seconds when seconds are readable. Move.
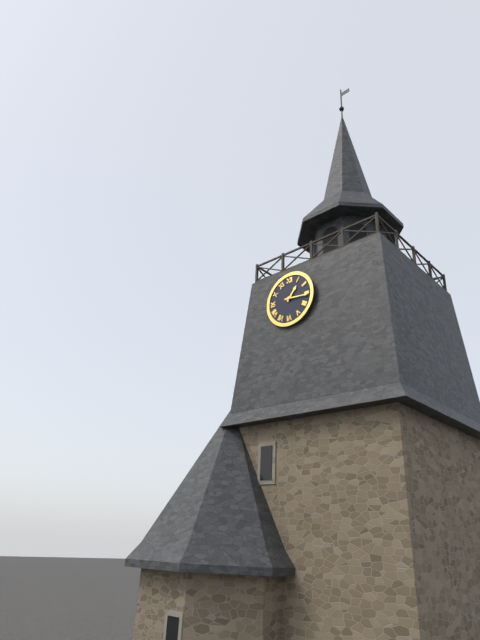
1,16
